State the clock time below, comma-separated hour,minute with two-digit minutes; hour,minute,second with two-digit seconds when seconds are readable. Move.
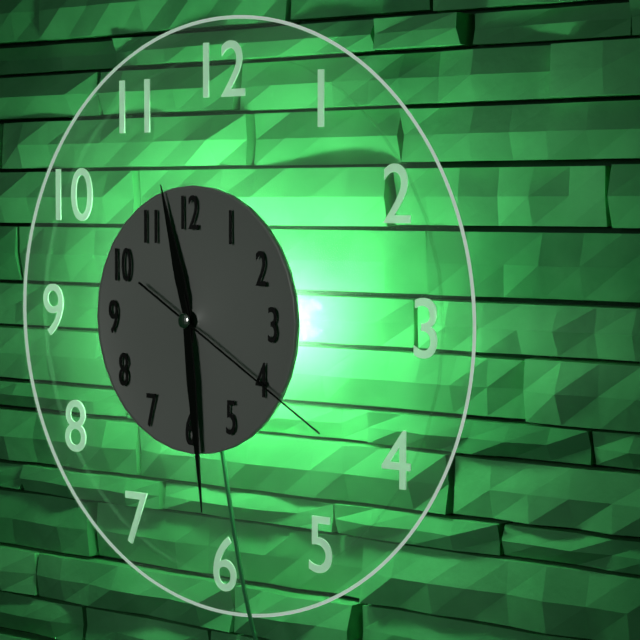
11,29,20
